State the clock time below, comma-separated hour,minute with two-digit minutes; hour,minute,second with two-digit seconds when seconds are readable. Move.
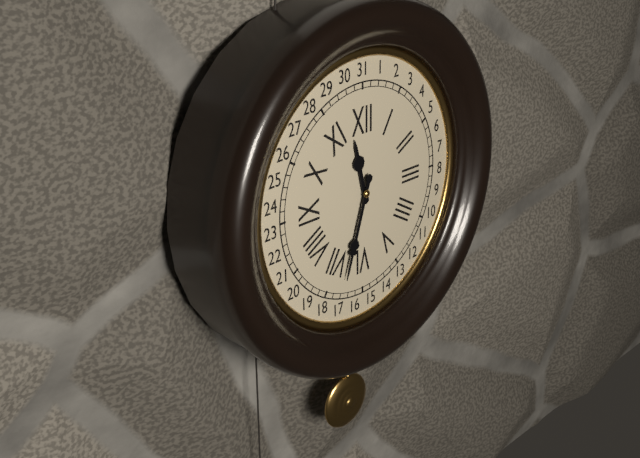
11,33
